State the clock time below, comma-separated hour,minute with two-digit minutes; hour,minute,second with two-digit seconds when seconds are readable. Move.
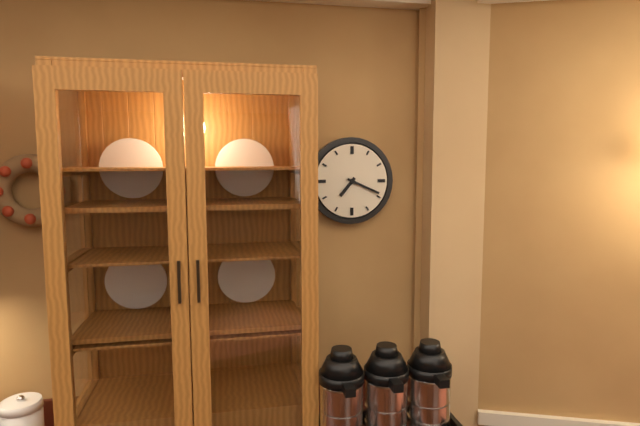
7,19
